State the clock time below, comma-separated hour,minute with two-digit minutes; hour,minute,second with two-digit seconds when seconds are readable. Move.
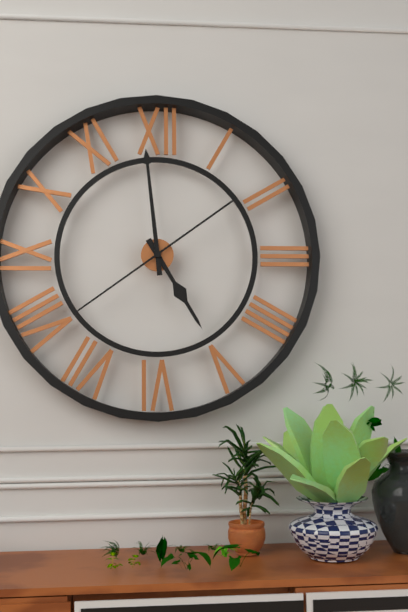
4,59,39
